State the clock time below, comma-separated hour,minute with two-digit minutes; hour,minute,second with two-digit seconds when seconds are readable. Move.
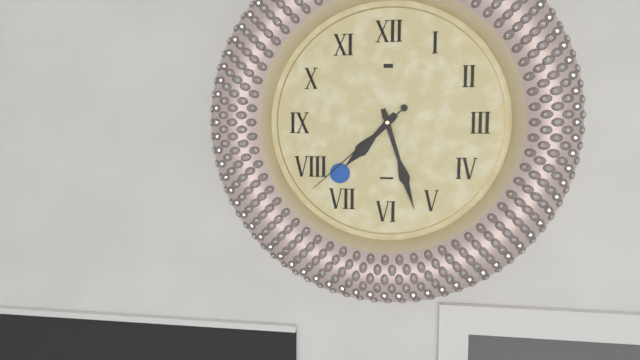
7,27,38
